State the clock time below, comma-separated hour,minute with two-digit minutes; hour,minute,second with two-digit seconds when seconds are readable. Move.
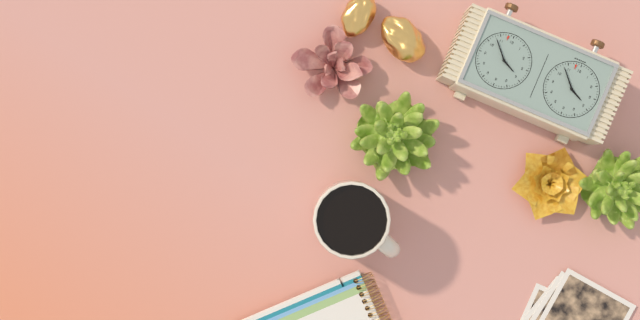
3,53
